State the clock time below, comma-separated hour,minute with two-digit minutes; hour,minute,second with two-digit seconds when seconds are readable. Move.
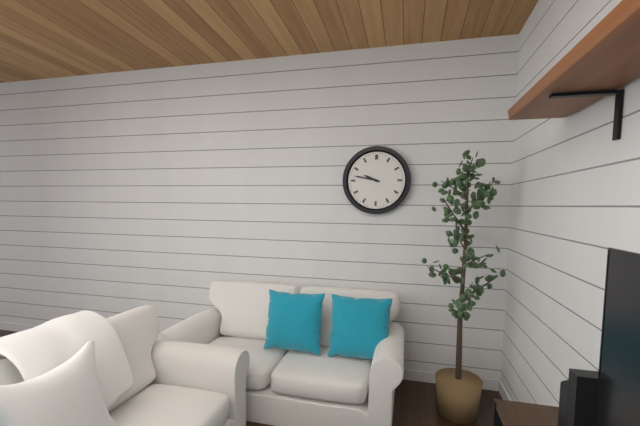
9,47
